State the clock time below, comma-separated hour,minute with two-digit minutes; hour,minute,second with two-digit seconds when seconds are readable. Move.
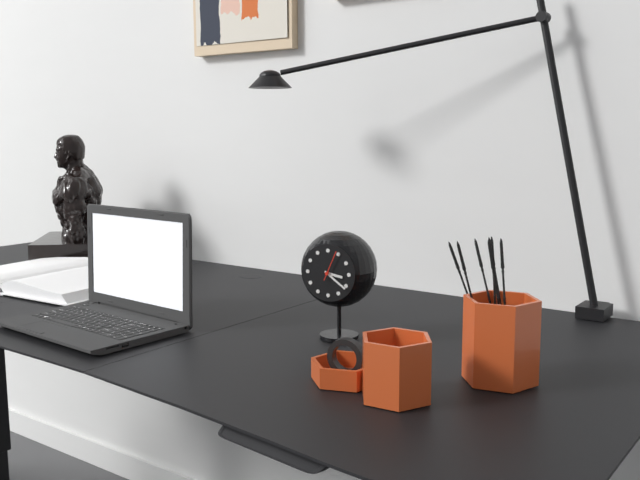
3,21
